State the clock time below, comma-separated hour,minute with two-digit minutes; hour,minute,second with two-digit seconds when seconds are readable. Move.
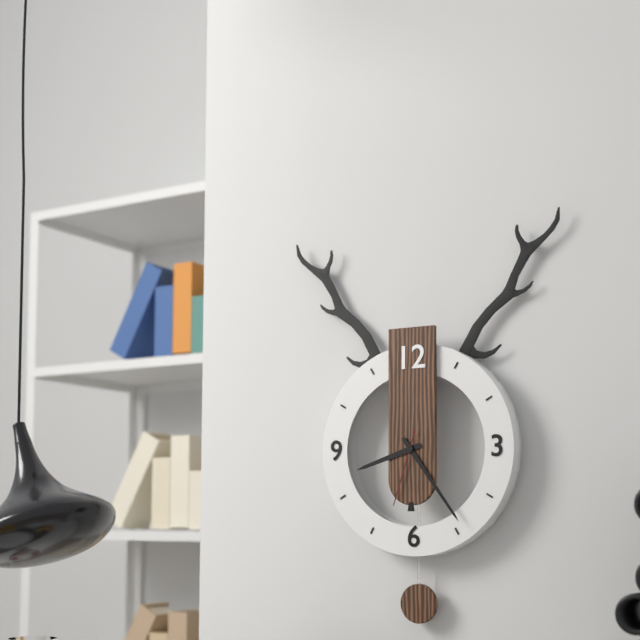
8,24,33
